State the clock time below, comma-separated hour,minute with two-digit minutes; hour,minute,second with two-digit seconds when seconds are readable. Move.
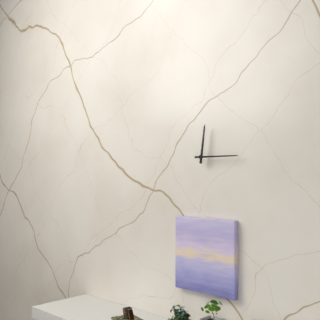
12,15
